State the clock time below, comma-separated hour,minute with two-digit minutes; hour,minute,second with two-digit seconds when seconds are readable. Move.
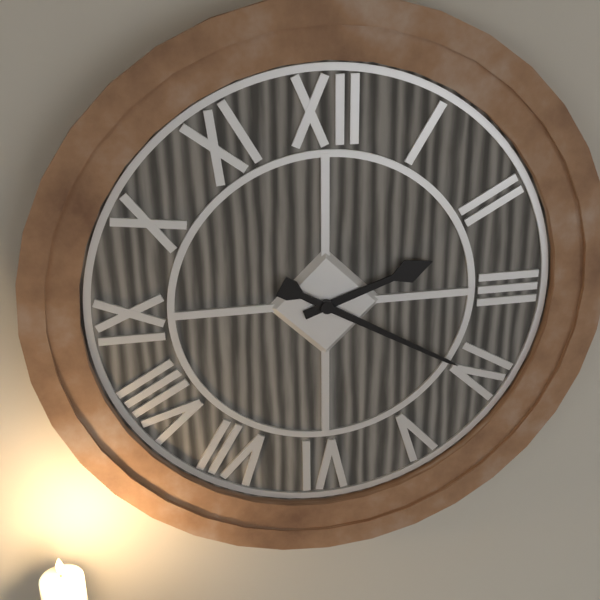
2,20
